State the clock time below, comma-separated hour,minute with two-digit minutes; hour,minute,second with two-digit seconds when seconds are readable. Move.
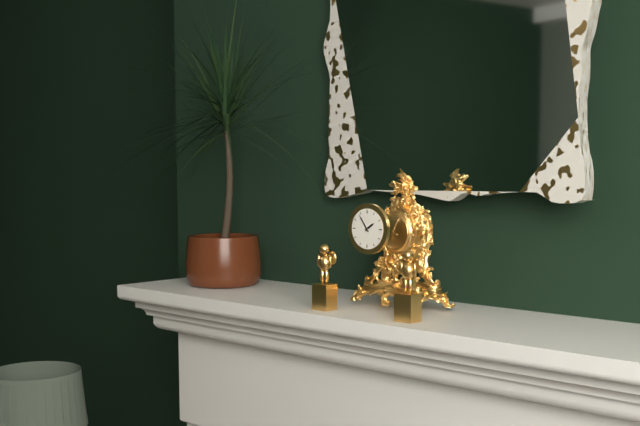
1,54
